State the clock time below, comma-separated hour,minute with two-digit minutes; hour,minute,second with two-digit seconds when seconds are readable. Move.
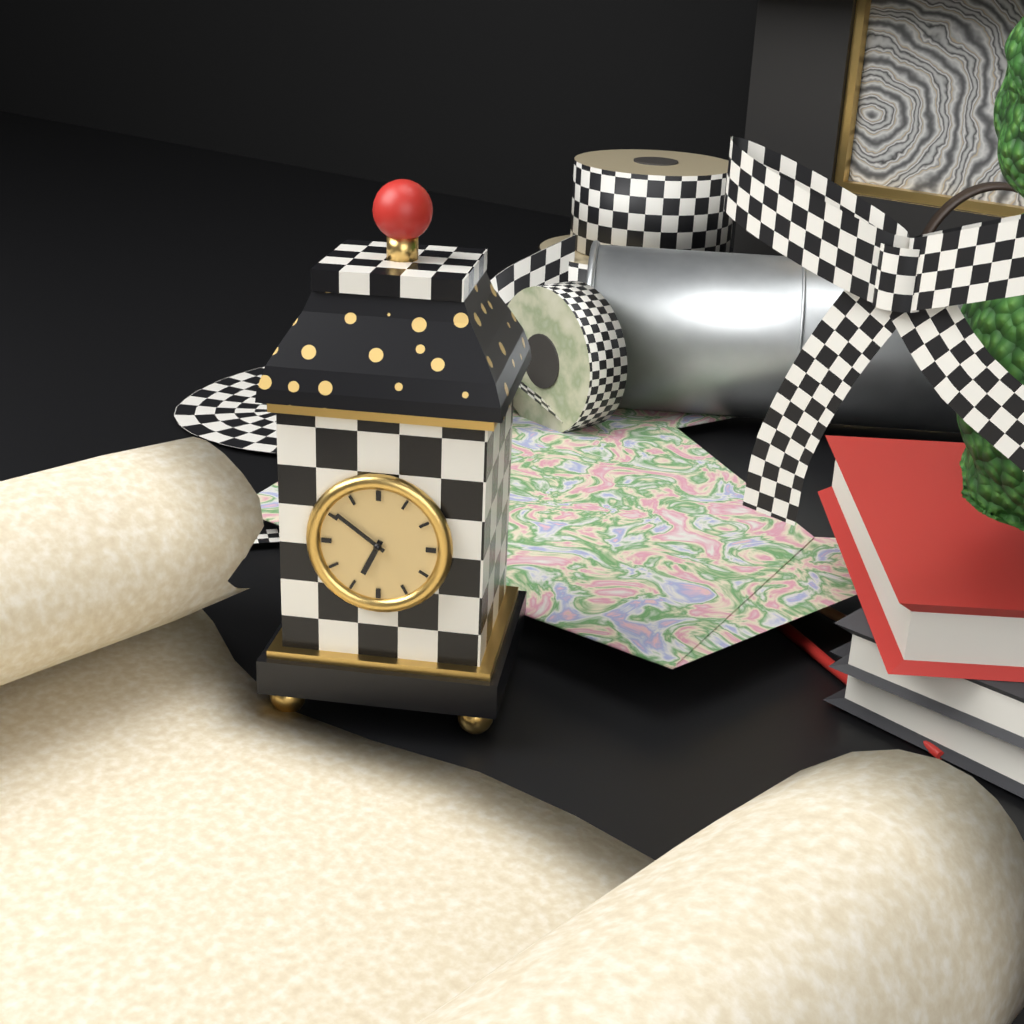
6,51
